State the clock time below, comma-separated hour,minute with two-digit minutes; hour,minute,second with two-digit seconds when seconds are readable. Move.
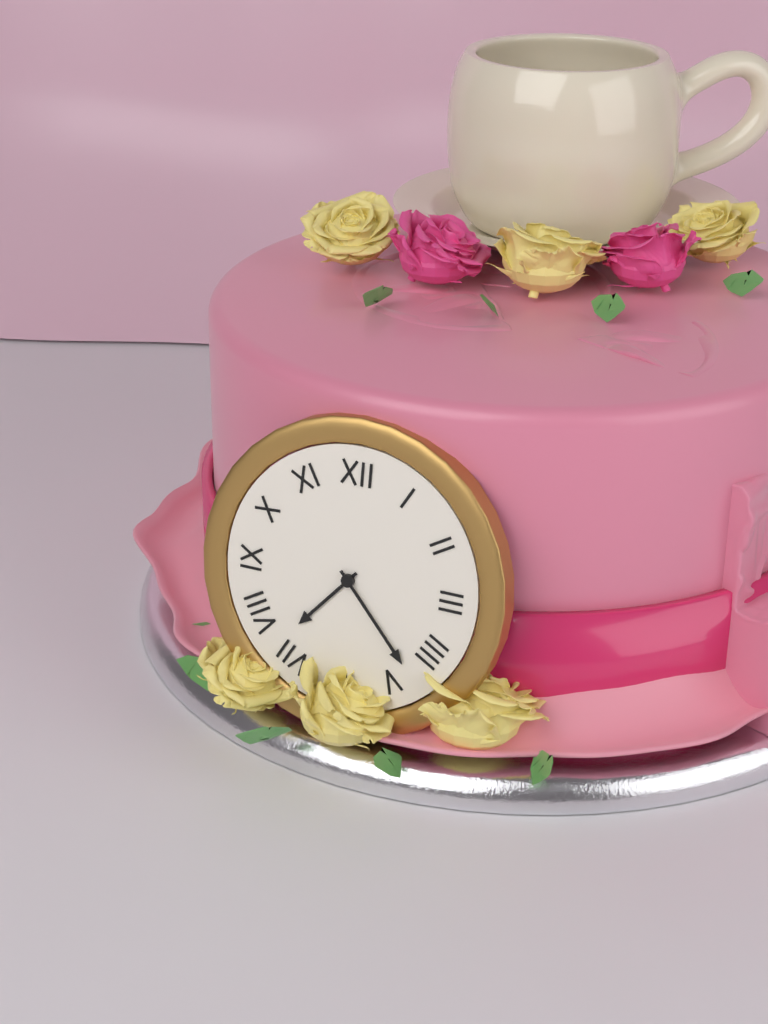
7,23
